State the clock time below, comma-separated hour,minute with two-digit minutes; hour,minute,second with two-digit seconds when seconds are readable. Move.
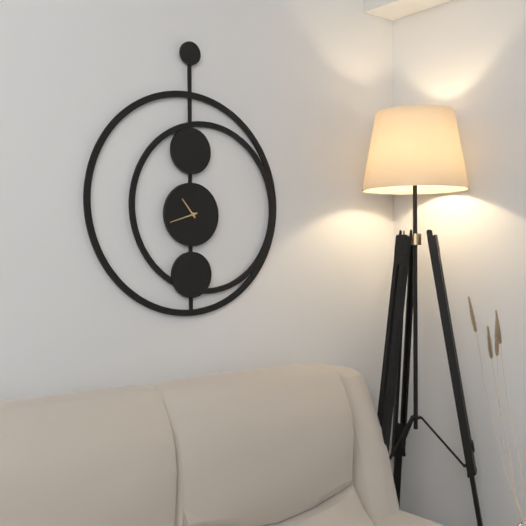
10,42
